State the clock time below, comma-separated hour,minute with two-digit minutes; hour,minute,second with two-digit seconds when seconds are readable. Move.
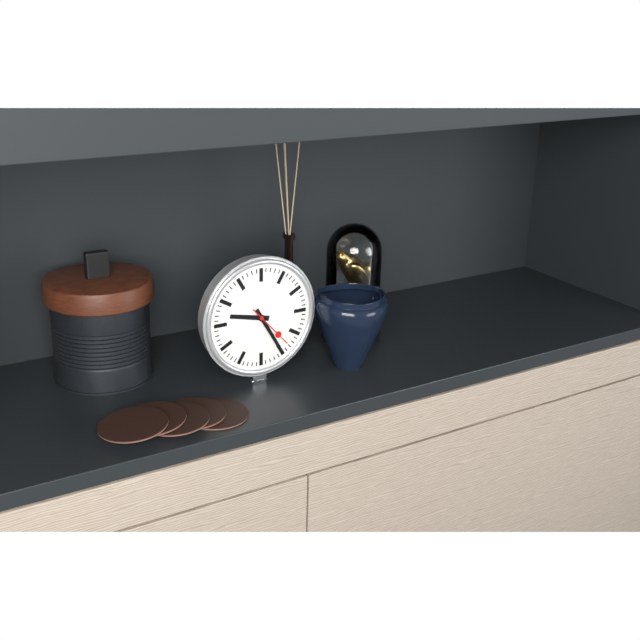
9,25,23
